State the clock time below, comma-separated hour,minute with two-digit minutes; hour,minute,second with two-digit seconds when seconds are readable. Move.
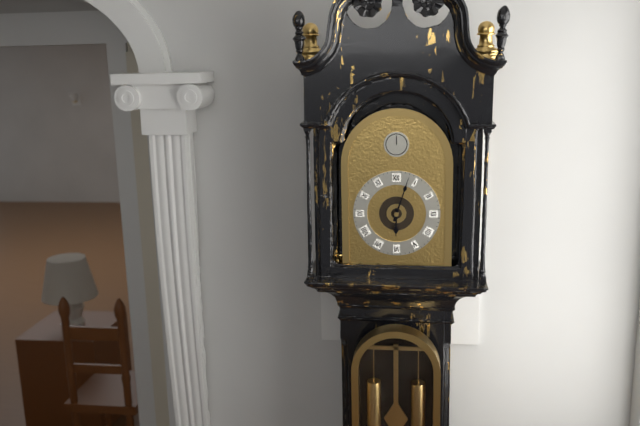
6,03
